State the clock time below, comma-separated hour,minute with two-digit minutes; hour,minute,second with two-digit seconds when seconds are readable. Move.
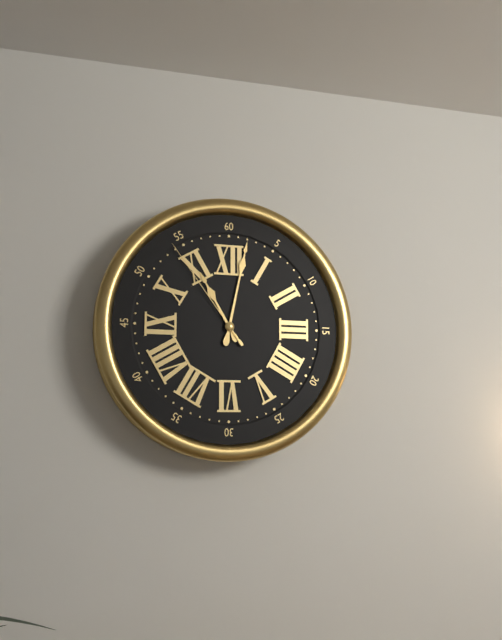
11,02,54
